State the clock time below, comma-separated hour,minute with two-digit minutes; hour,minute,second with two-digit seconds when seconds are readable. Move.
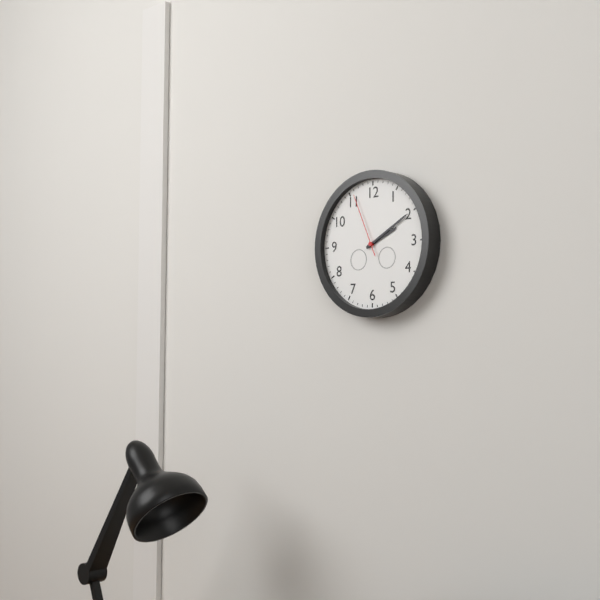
2,10,56
